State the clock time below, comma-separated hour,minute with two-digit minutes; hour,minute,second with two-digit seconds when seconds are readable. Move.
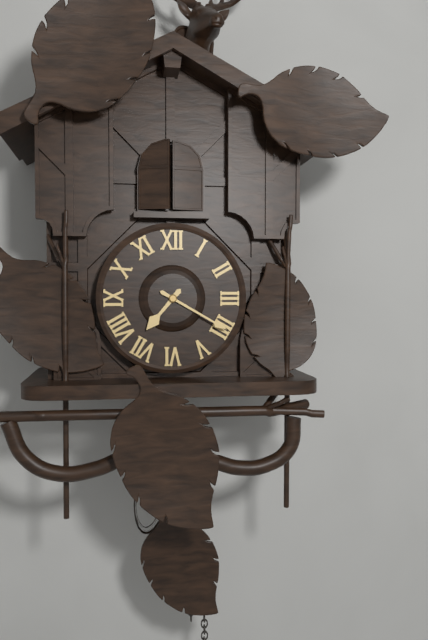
7,20
